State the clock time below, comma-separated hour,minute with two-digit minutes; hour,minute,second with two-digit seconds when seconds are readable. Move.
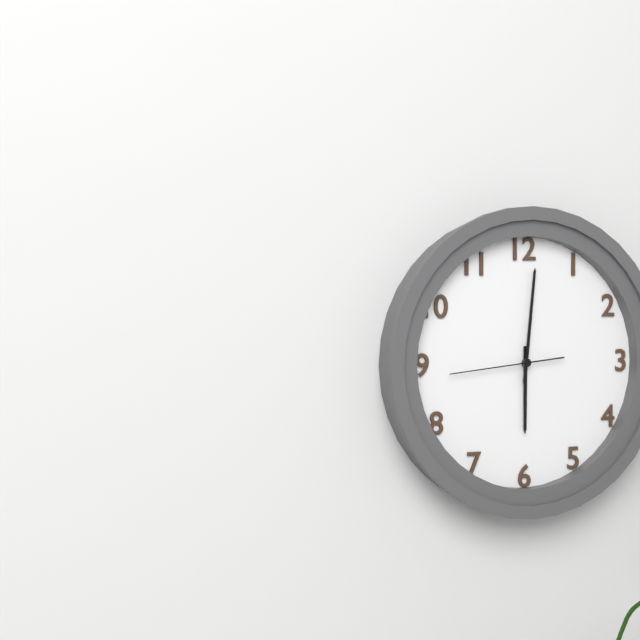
6,01,44
